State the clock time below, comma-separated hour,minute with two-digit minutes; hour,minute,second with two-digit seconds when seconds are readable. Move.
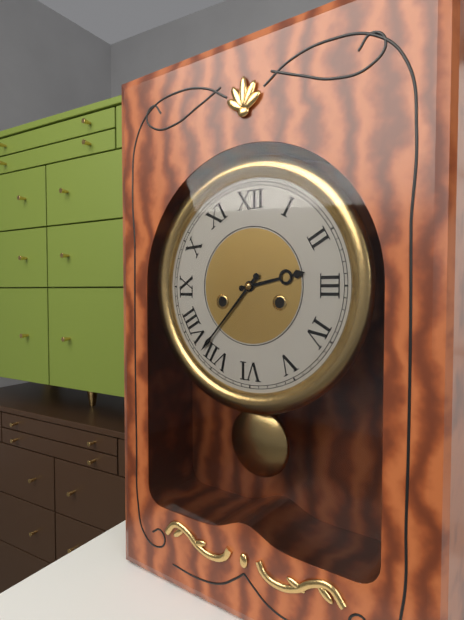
2,37
